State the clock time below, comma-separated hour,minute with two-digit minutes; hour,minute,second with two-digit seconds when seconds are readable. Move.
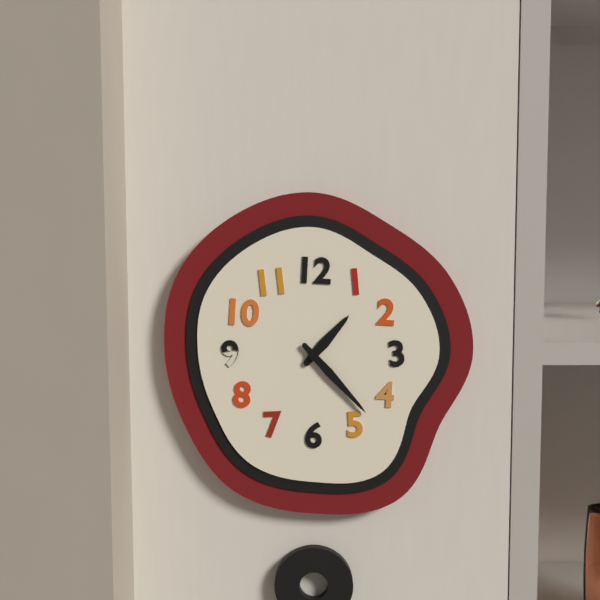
1,23
